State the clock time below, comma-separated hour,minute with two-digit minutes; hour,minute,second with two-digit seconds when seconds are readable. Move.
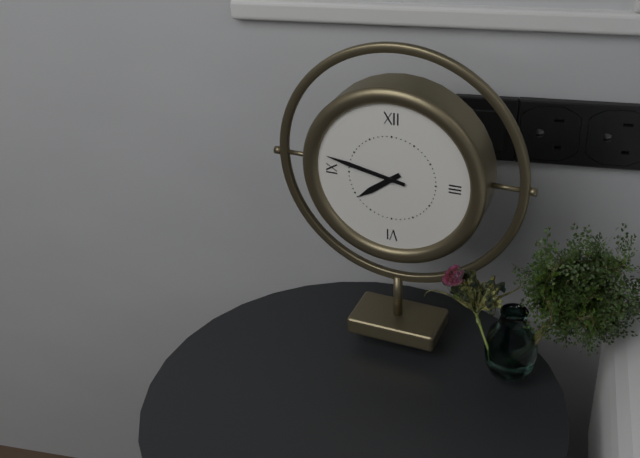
7,47
